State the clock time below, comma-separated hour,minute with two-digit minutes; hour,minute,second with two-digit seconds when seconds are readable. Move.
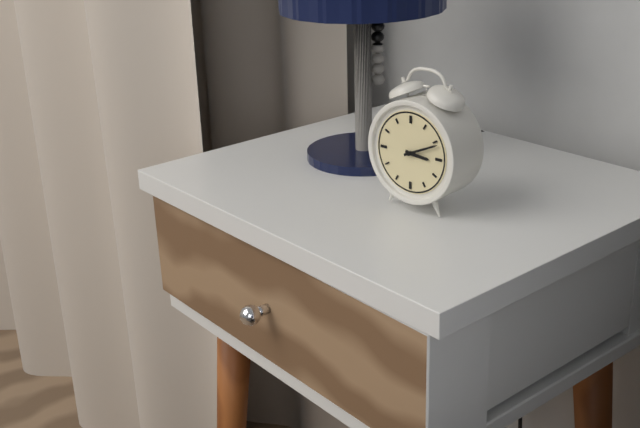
3,11
